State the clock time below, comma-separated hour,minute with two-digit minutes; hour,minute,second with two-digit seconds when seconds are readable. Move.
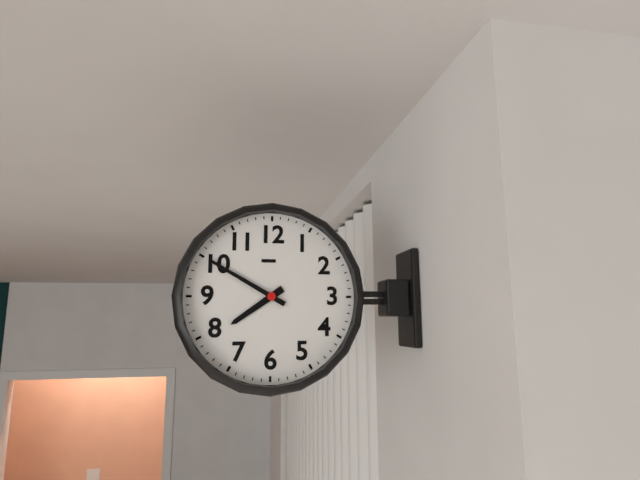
7,50
